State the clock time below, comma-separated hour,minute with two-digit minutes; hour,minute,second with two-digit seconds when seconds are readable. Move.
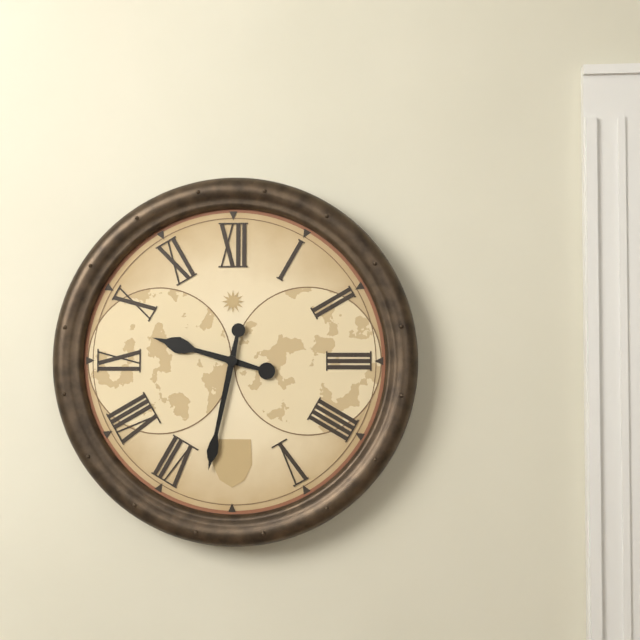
9,32
